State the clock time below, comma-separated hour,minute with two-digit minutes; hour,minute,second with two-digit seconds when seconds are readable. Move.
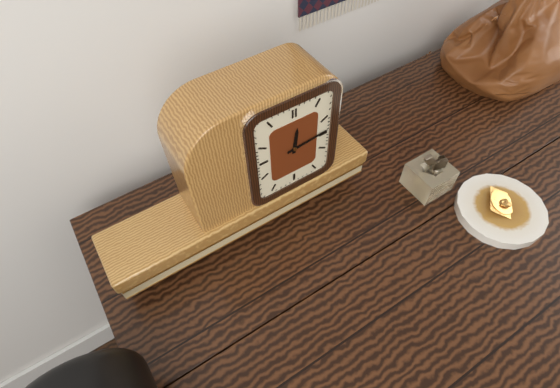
12,14
